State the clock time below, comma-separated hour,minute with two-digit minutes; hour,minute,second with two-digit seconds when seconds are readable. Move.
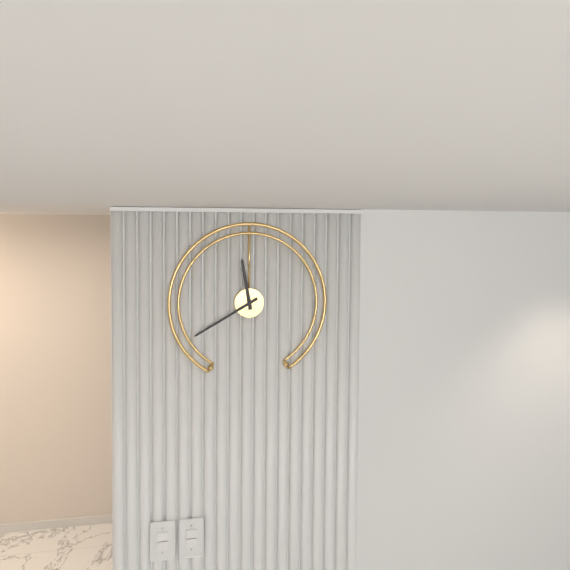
11,40
